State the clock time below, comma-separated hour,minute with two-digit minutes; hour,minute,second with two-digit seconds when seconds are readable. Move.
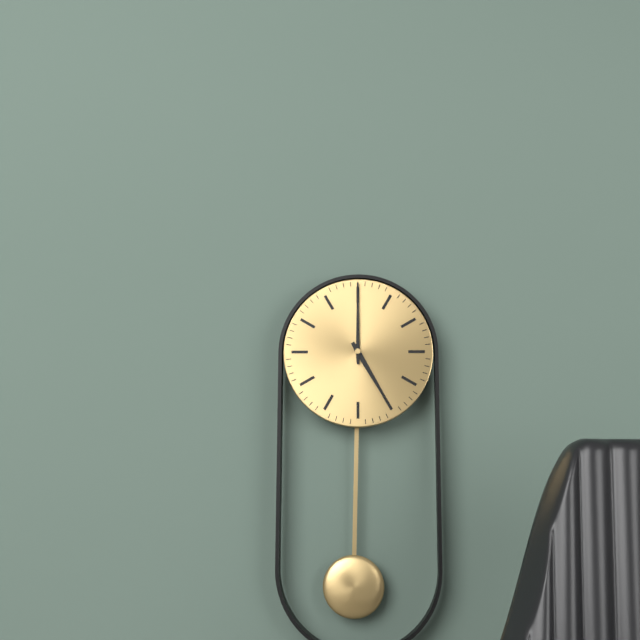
5,00
